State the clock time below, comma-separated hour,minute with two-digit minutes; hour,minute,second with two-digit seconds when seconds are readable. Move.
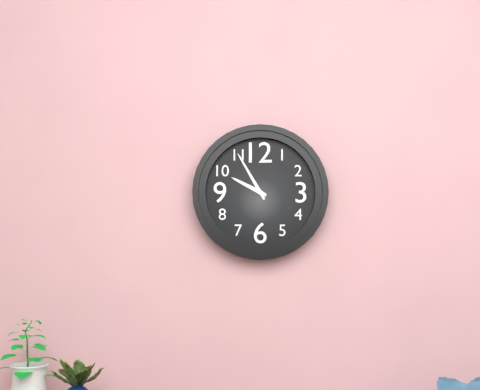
9,55
